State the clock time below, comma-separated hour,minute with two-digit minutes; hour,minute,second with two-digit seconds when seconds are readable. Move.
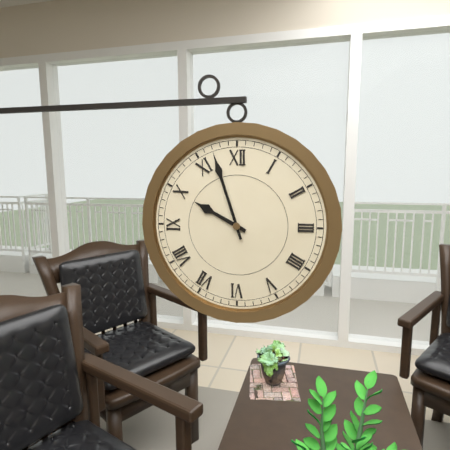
9,57
